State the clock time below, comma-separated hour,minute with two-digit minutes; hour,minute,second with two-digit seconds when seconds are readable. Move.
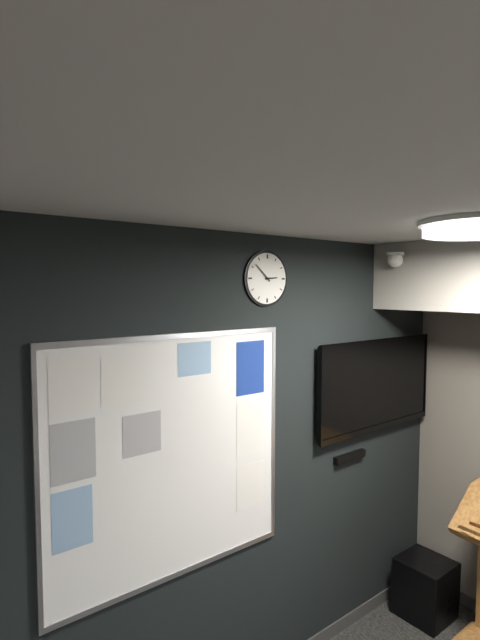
2,52
